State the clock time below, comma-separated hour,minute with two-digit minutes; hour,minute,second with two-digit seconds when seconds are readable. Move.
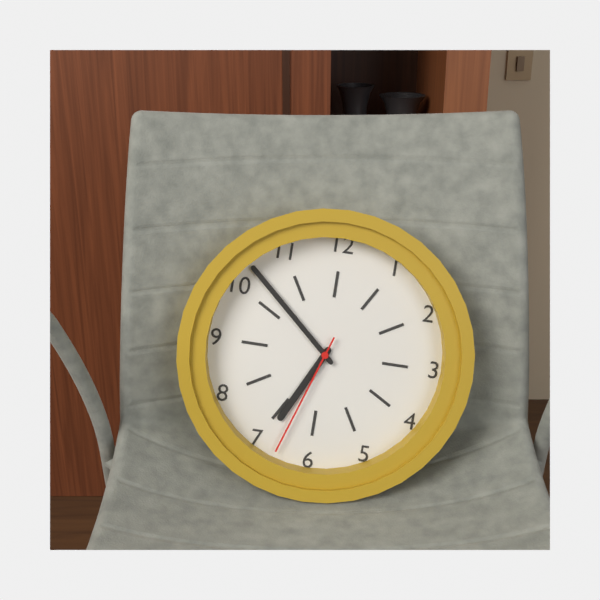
6,52,33
